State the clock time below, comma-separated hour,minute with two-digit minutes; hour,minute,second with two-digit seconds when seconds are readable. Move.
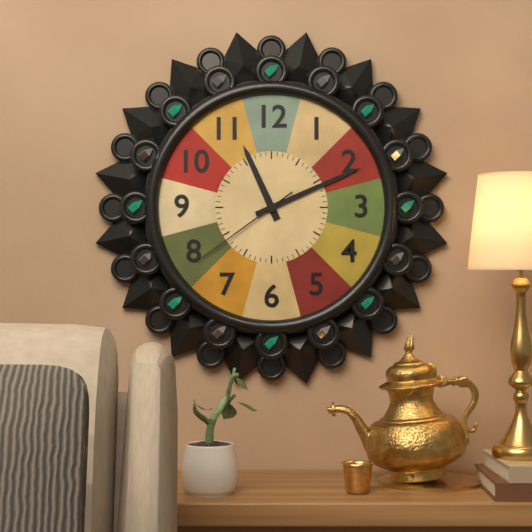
11,11,39
